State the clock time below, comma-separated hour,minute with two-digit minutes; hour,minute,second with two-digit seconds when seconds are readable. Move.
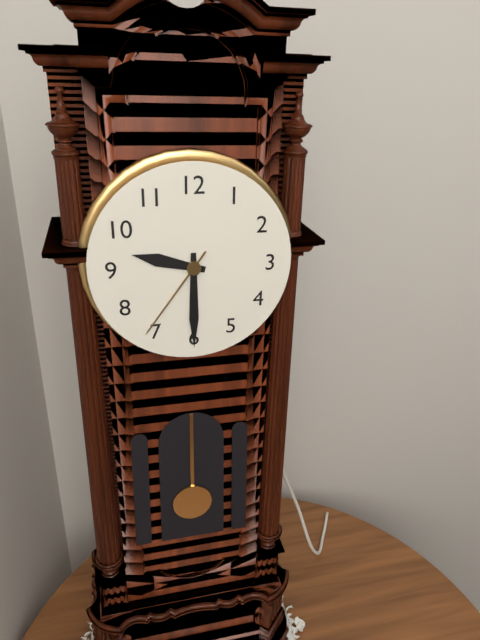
9,30,36
